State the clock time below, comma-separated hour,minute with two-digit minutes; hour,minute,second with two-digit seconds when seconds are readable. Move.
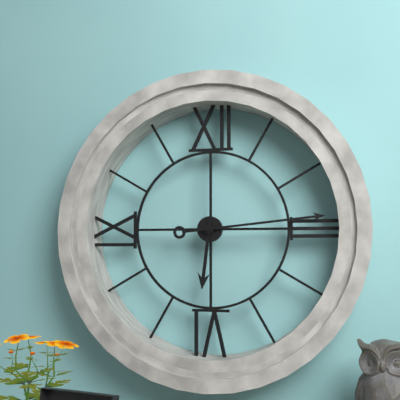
6,14
